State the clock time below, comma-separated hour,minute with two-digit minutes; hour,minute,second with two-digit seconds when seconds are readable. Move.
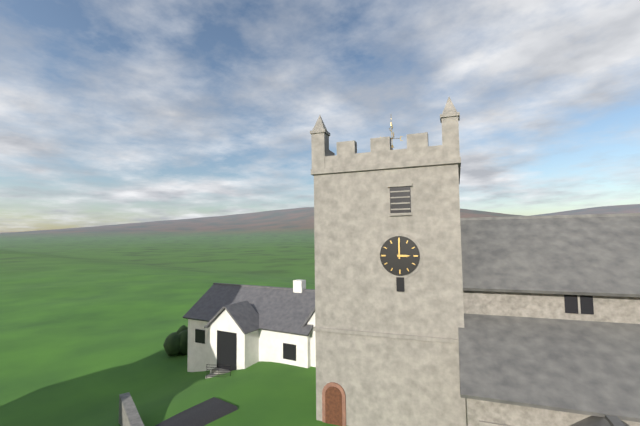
3,00
